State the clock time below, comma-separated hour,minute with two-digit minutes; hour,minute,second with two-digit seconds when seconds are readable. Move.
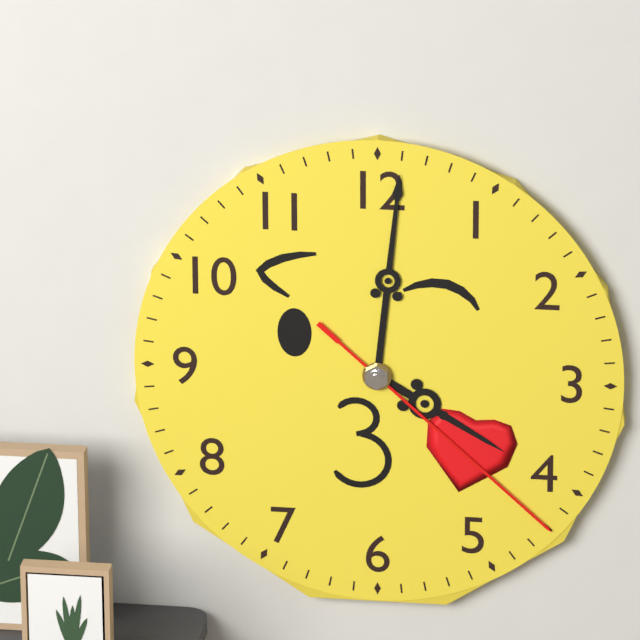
4,01,22
